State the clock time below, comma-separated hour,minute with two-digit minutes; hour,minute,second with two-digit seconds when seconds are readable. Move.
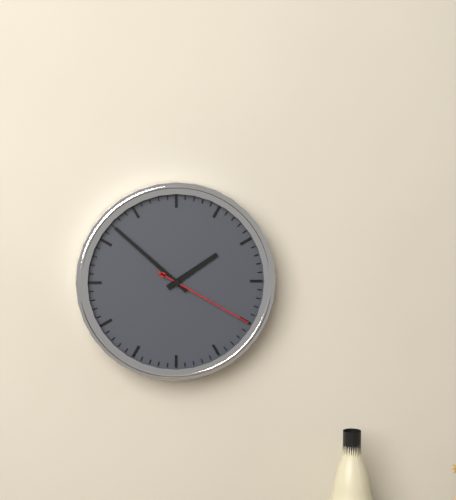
1,52,20
